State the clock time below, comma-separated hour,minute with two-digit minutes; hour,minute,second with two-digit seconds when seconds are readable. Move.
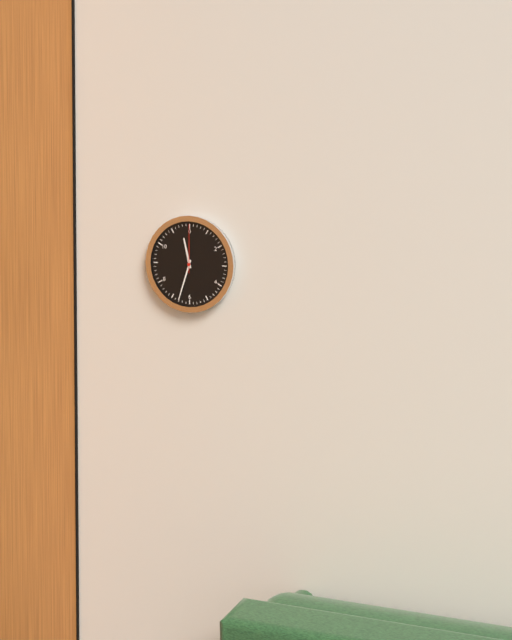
11,33,00
